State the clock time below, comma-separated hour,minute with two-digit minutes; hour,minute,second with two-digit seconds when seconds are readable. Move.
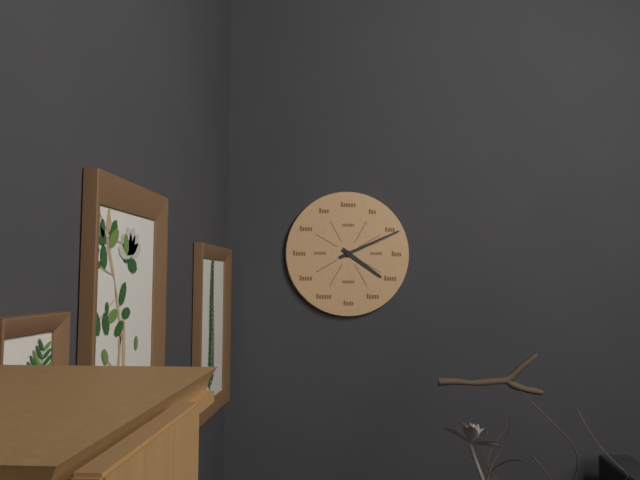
4,11
